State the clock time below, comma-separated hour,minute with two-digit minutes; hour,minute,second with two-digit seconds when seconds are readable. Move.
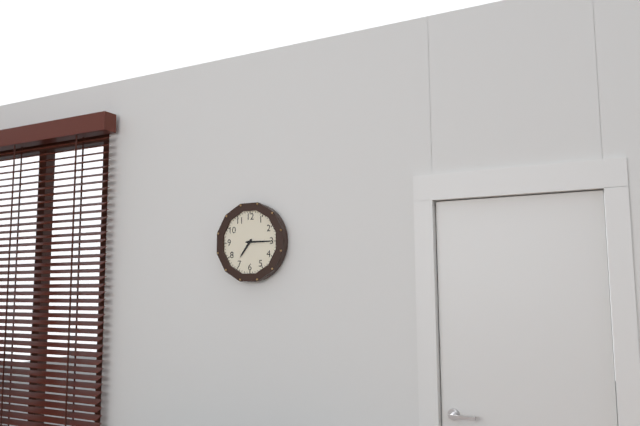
7,15
